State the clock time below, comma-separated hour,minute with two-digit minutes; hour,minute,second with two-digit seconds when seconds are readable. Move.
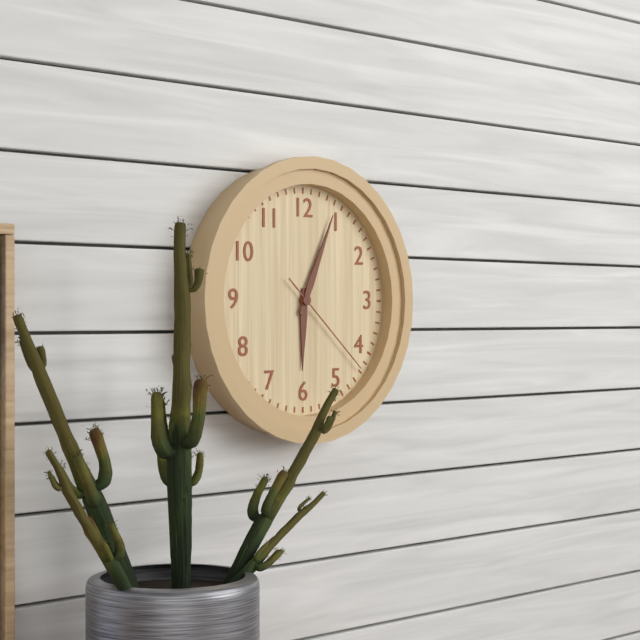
6,04,22
